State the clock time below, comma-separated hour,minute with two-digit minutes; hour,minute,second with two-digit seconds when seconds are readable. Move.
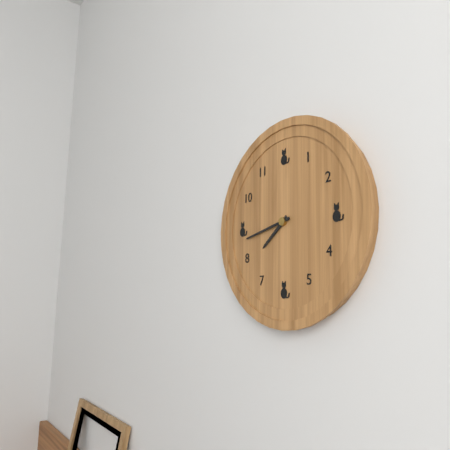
7,43
